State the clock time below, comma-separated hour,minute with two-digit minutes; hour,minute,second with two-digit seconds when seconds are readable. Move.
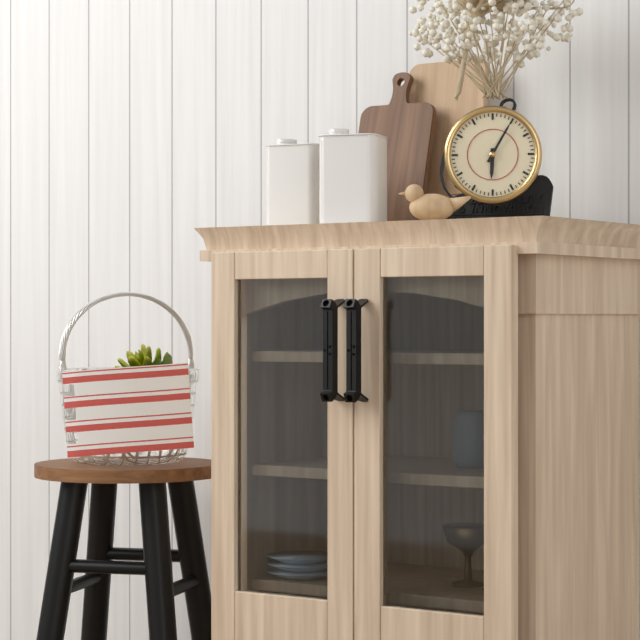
6,05
